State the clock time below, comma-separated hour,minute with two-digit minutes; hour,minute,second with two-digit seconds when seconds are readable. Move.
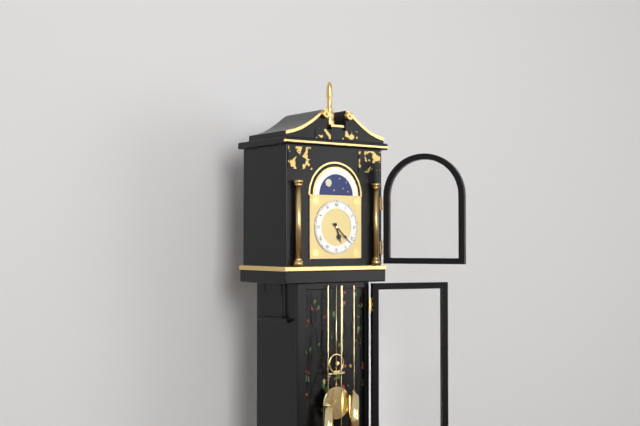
5,22
